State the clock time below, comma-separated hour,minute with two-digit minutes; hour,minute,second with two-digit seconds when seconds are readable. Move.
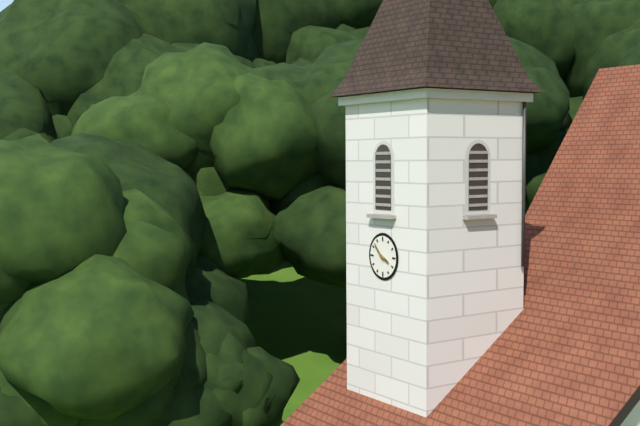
3,53
